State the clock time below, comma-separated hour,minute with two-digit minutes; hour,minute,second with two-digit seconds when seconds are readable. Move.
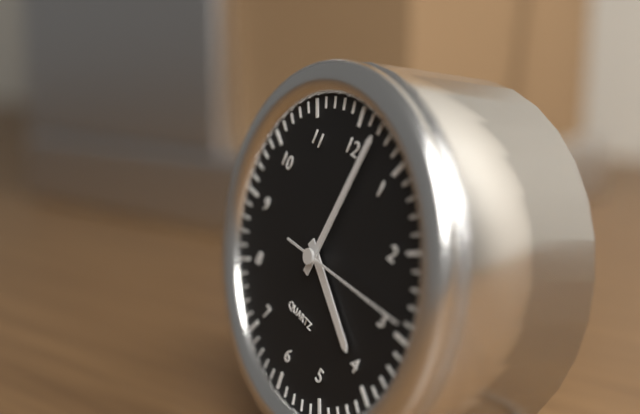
4,02,14
